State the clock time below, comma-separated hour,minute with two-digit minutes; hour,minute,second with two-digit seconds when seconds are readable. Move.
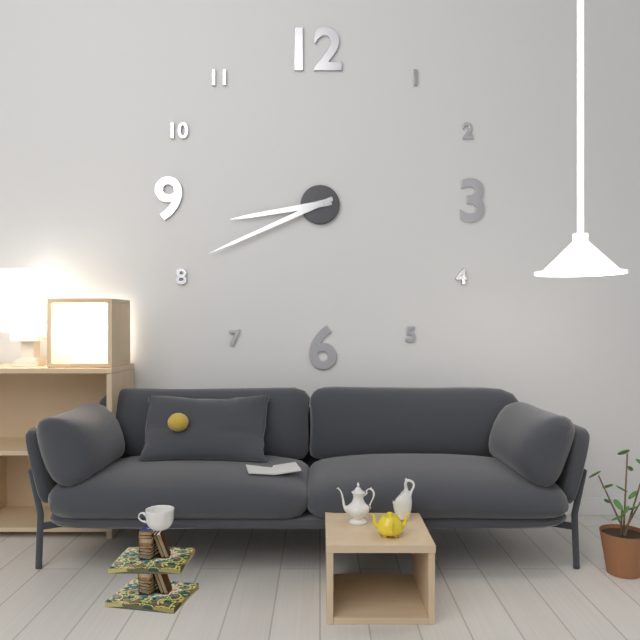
8,41
